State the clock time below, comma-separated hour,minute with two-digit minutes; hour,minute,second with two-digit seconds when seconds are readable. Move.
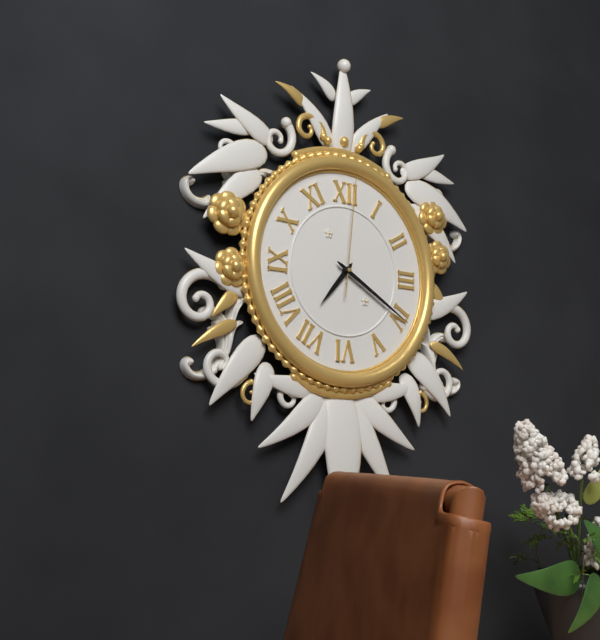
7,20,01
